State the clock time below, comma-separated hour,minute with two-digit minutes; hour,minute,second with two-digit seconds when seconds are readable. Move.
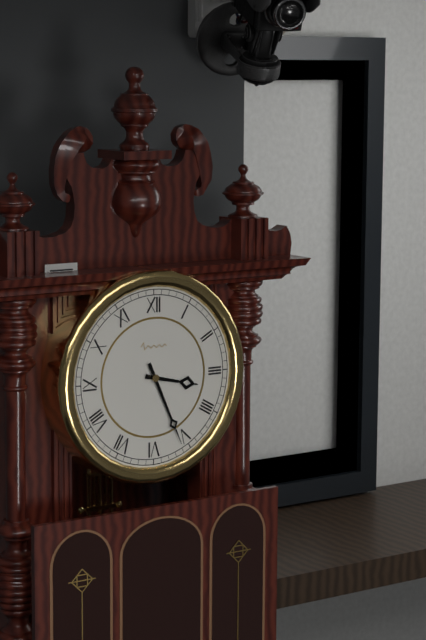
3,26
